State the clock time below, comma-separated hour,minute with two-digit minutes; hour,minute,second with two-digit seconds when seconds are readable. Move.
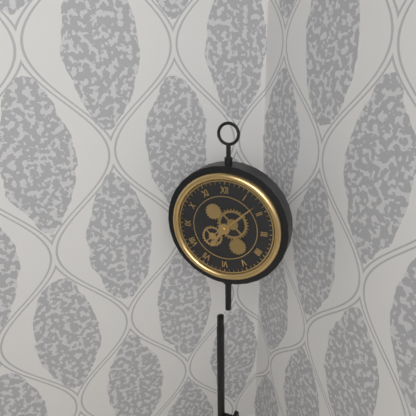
7,08
